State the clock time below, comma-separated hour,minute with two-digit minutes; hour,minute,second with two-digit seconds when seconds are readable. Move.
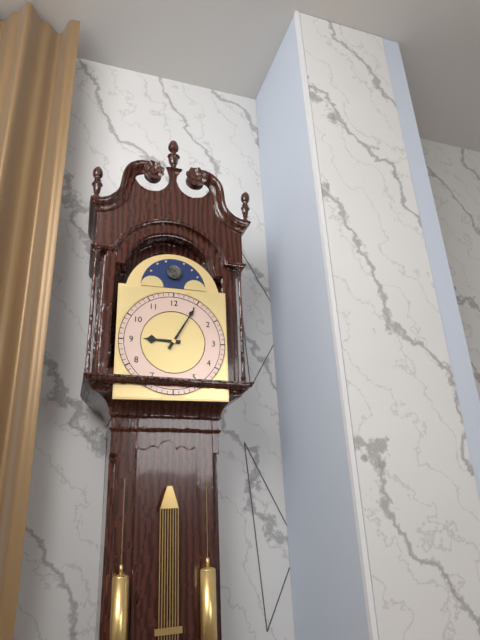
9,05
